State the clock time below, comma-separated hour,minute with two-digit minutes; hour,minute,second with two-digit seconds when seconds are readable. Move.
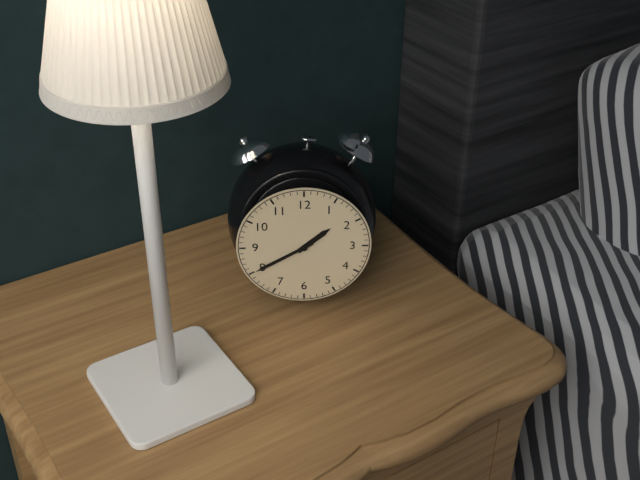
1,40
